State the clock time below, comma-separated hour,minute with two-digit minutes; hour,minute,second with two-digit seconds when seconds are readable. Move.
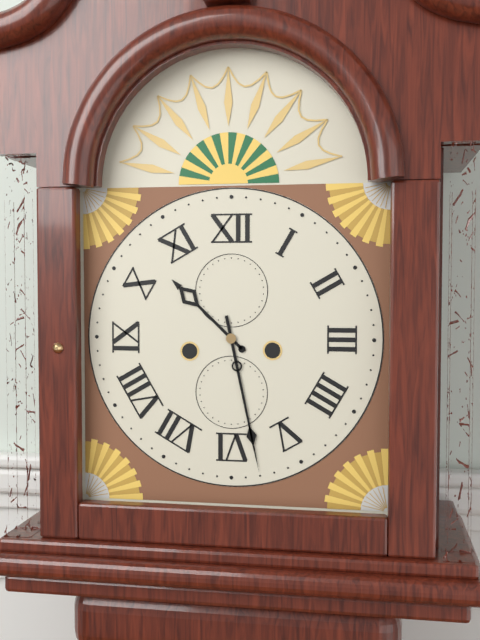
10,28
